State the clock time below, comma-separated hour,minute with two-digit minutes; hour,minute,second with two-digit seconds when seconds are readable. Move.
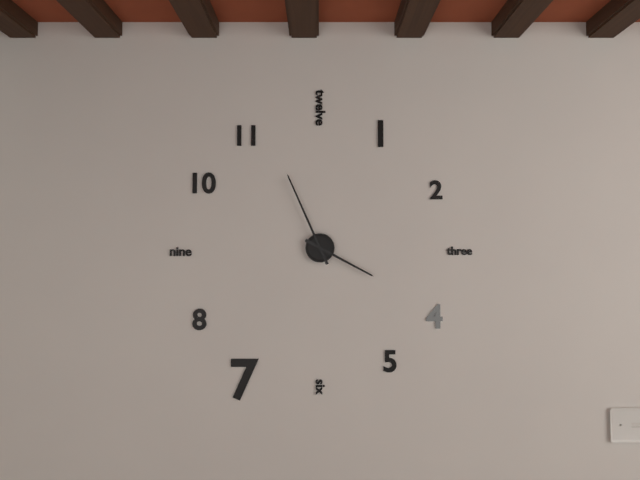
3,56
